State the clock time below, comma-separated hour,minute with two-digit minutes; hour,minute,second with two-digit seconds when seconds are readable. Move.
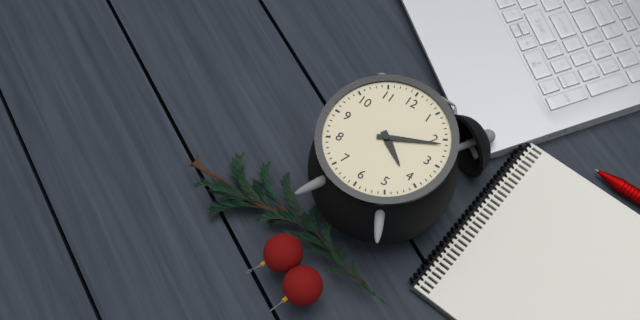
4,11
